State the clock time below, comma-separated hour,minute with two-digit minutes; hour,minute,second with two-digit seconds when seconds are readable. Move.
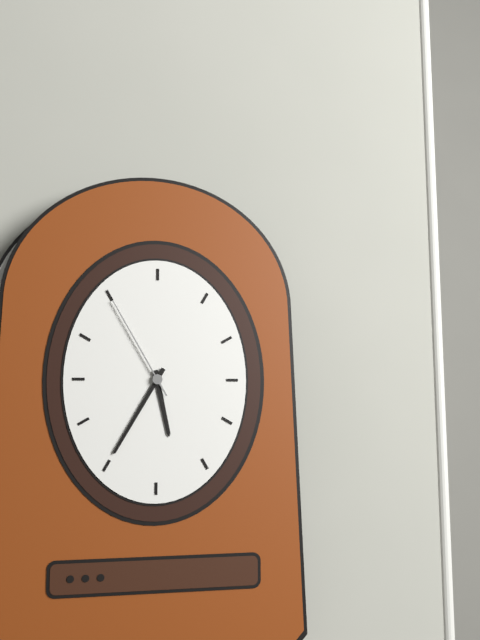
5,35,55
